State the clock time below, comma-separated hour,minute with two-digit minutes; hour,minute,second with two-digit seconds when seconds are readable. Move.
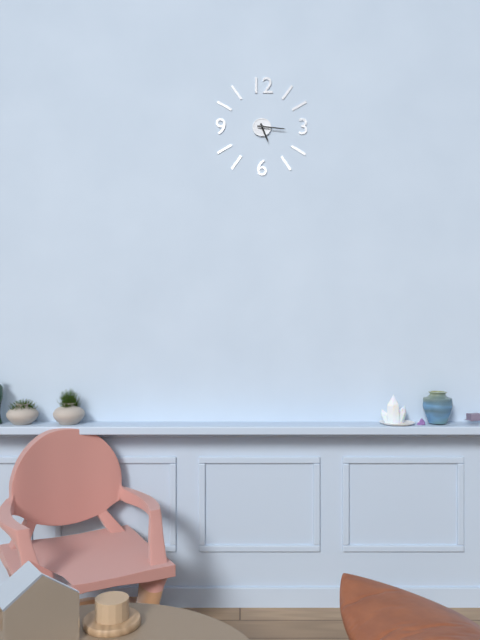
5,16
